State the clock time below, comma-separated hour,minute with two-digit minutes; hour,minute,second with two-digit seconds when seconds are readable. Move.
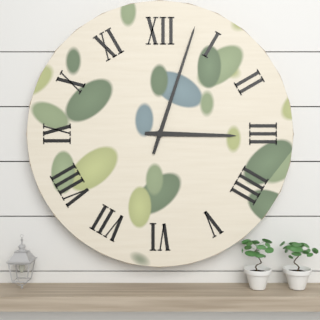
3,03
